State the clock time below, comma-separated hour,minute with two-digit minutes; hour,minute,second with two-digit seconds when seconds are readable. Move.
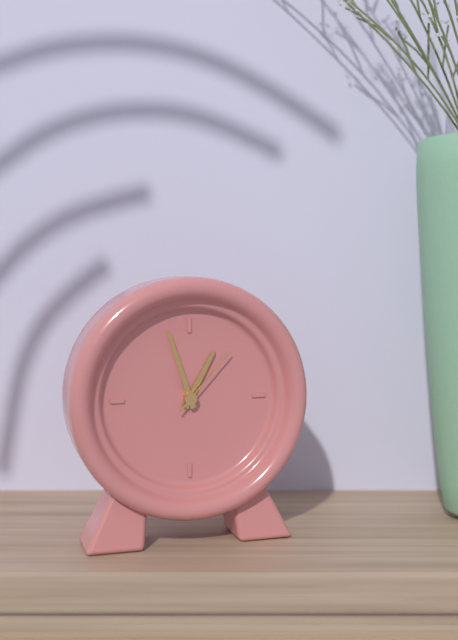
12,57,07
